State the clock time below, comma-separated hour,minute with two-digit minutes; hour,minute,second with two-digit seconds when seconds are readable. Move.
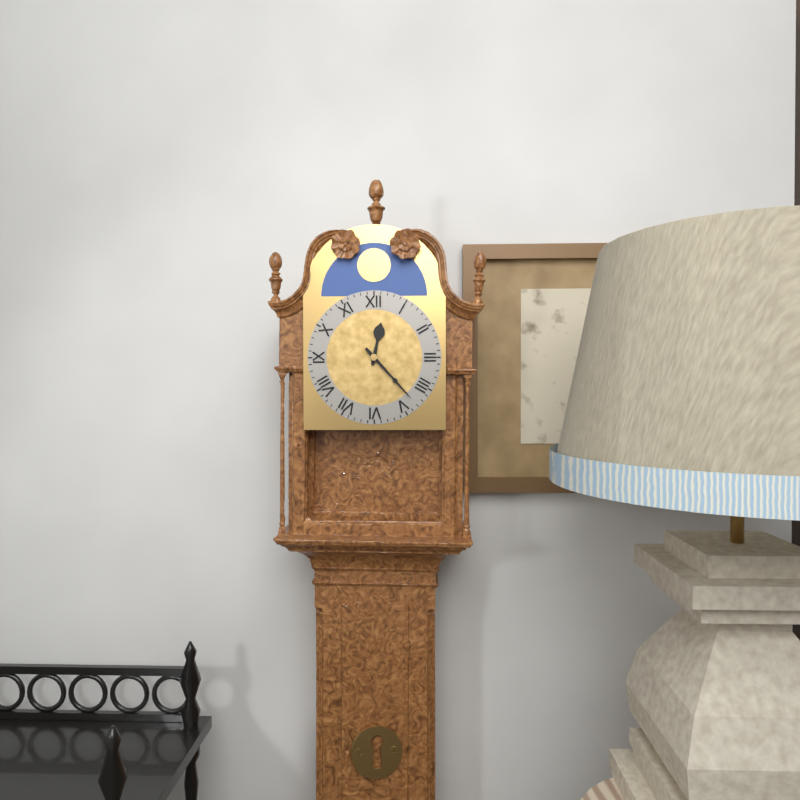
12,23
